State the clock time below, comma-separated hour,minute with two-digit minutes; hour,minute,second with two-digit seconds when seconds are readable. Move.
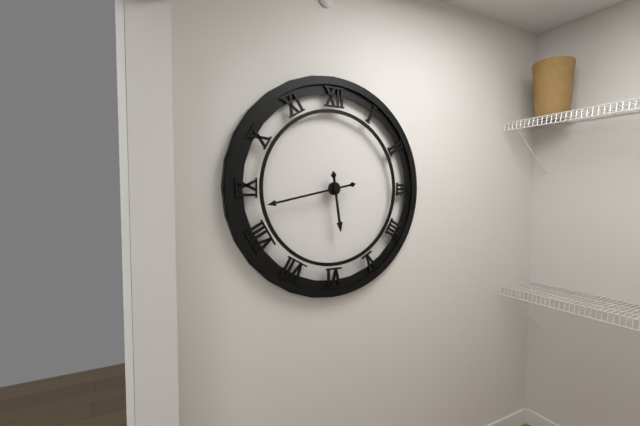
5,43
